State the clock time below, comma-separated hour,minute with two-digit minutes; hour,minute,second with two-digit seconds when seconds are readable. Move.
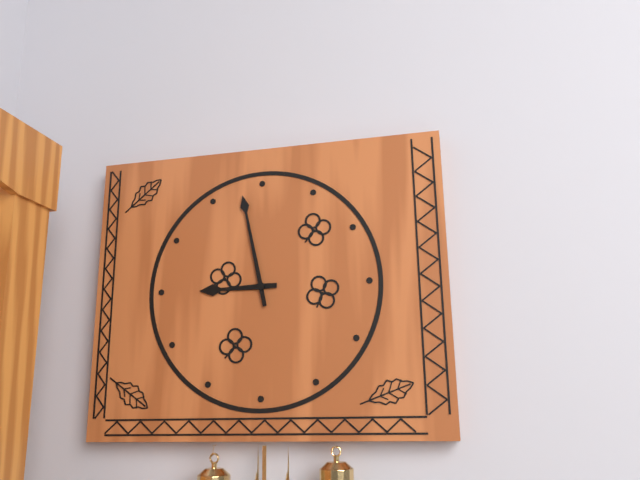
8,58
